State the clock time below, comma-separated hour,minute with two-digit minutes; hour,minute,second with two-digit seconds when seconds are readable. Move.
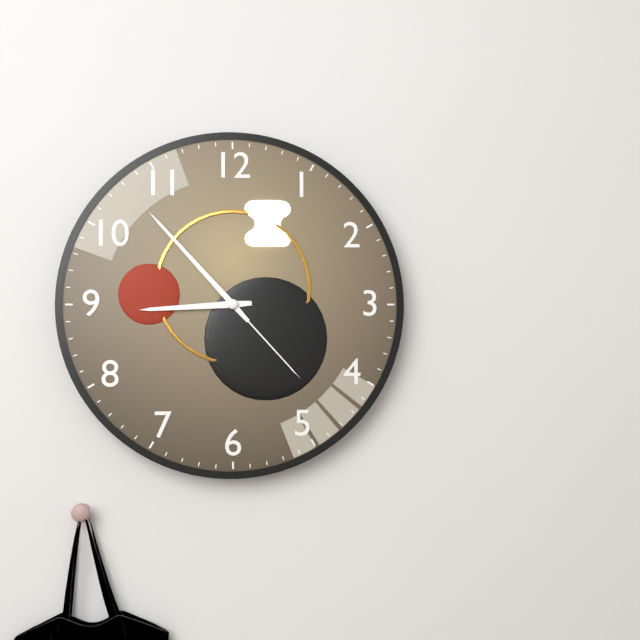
8,53,23
